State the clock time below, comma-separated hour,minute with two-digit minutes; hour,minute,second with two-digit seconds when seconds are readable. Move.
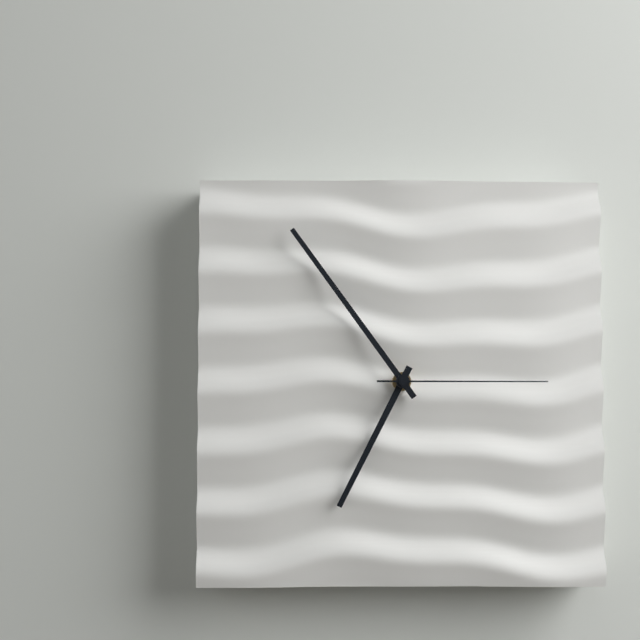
6,54,15
